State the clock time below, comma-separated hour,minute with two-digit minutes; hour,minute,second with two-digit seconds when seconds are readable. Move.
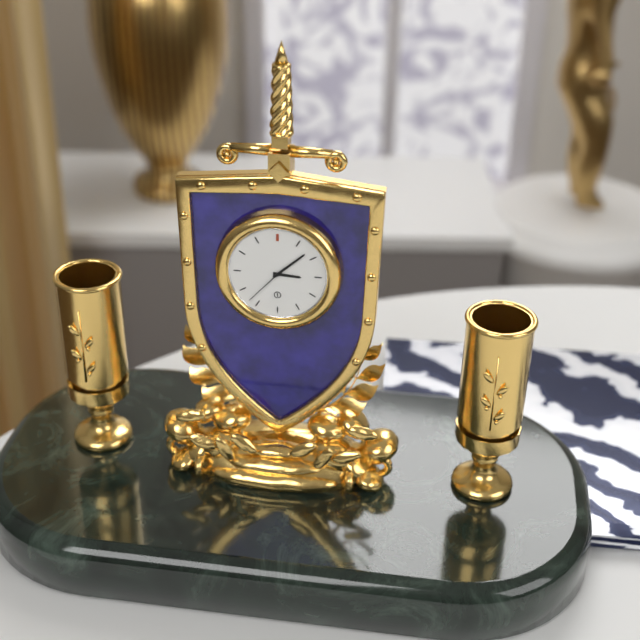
3,08
